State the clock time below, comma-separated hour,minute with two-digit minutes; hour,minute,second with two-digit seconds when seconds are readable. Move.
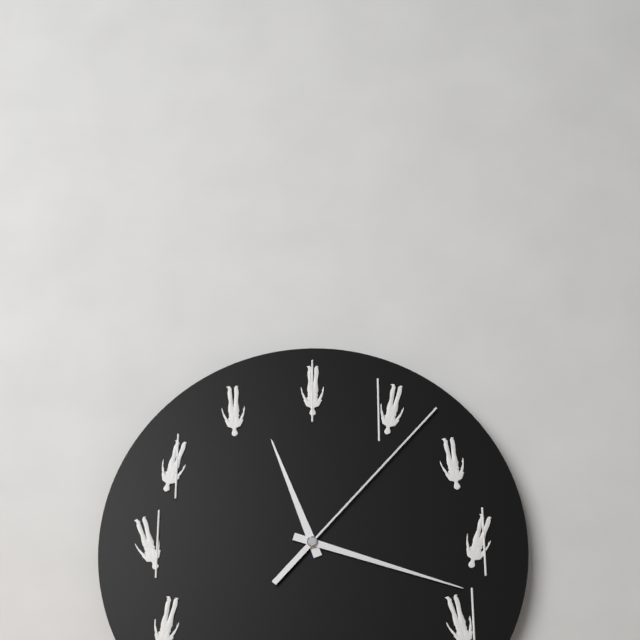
11,18,07
